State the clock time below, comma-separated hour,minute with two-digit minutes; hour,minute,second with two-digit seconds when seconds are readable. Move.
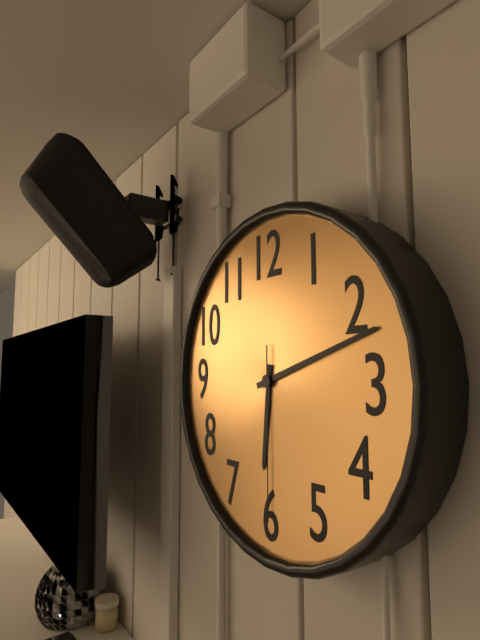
6,12,30
